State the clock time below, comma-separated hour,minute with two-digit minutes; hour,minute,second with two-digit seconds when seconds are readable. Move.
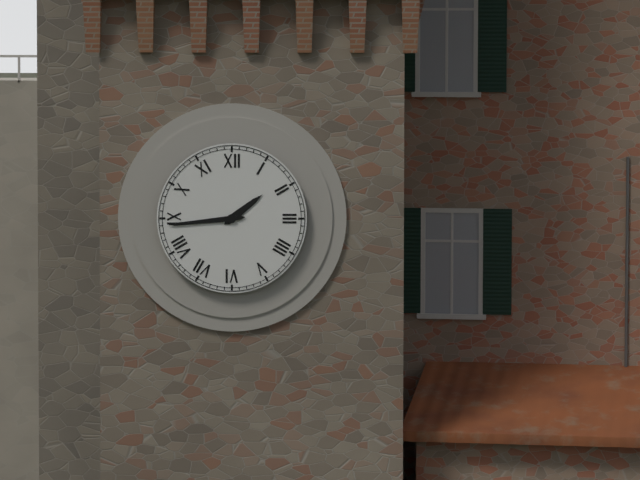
1,44
